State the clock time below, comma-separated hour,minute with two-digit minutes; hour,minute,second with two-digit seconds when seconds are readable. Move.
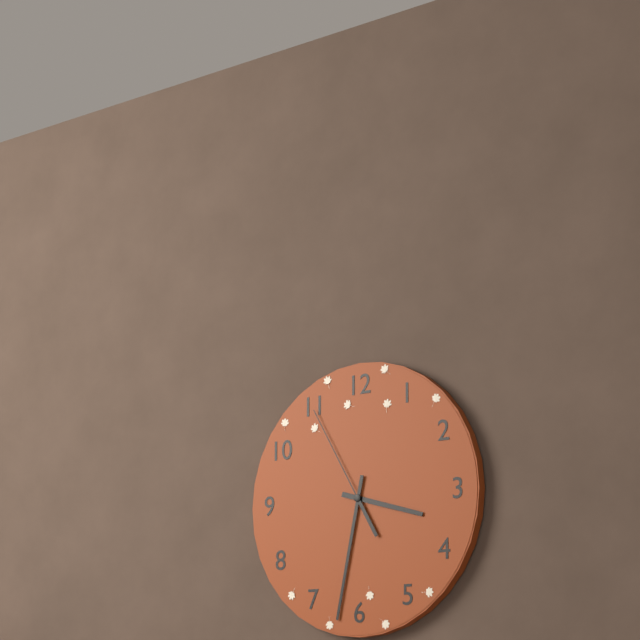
3,32,55
